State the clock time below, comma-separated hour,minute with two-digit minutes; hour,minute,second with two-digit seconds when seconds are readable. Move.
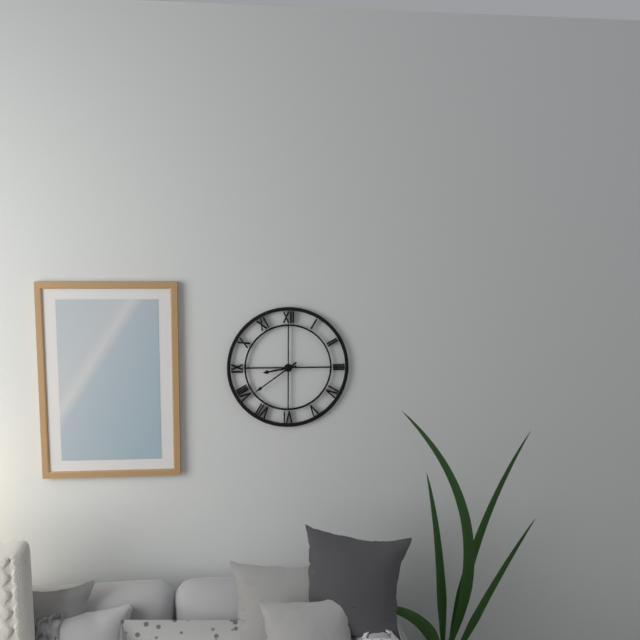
8,39
